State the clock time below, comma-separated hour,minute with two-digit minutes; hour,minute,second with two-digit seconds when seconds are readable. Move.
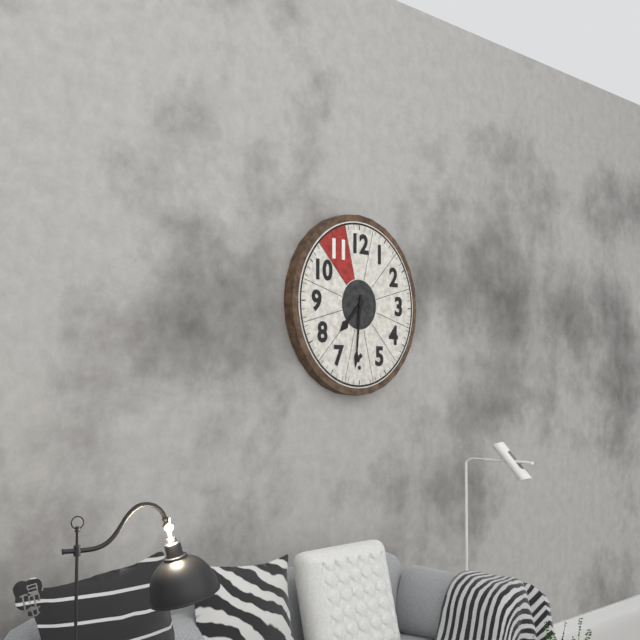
7,31
